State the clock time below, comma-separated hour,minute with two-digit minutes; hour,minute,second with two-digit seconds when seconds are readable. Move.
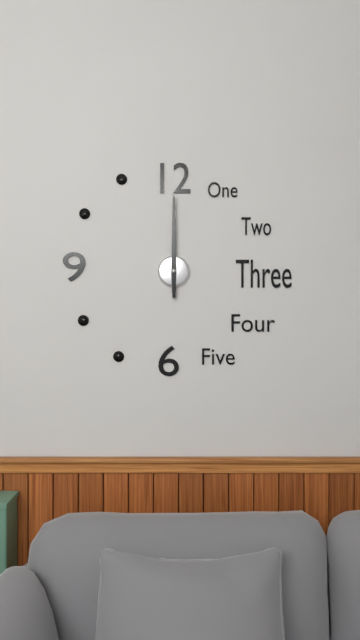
12,00
